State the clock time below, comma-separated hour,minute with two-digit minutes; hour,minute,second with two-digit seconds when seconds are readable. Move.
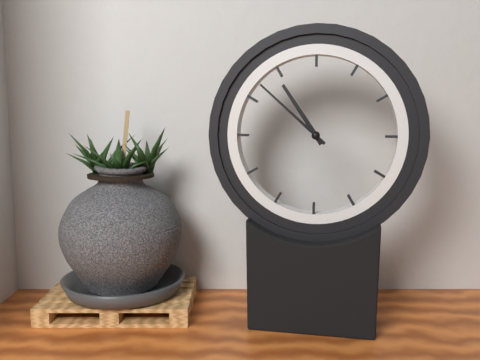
10,52
